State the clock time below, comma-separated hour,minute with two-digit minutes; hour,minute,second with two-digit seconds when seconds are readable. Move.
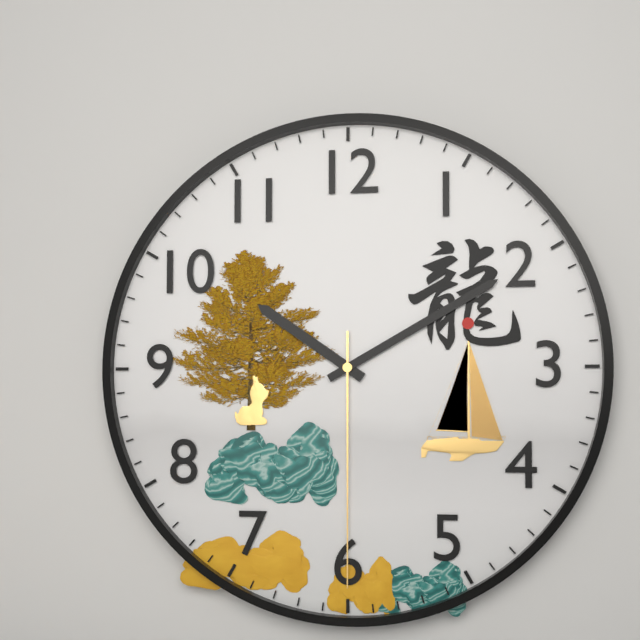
10,10,30
